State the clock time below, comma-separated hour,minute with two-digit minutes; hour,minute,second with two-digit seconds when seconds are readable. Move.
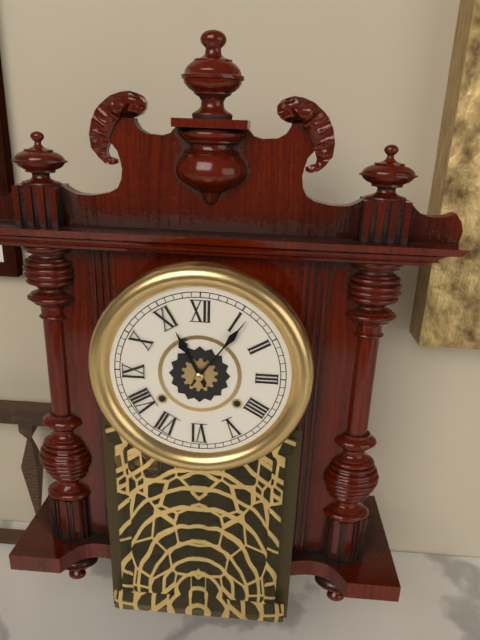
11,06
